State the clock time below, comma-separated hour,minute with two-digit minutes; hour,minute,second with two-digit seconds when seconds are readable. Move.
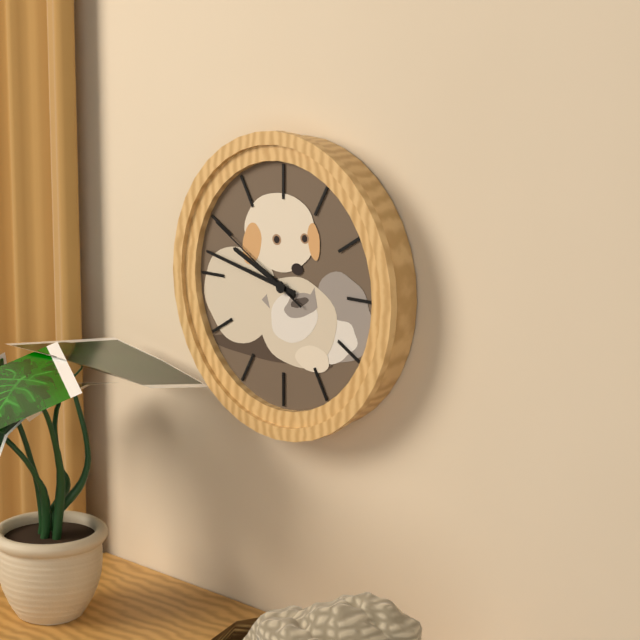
9,47,50
